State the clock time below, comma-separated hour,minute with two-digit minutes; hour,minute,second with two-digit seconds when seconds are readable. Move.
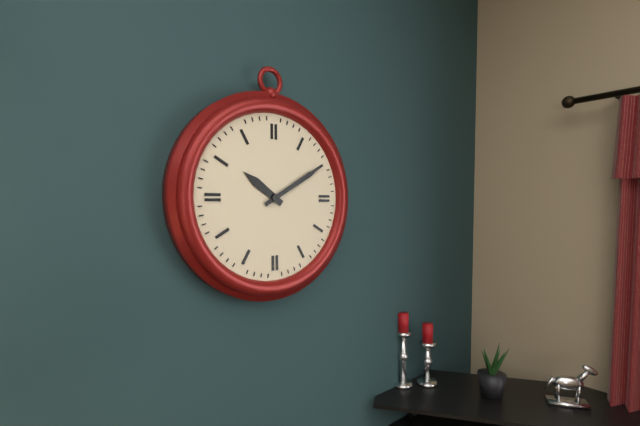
10,10
